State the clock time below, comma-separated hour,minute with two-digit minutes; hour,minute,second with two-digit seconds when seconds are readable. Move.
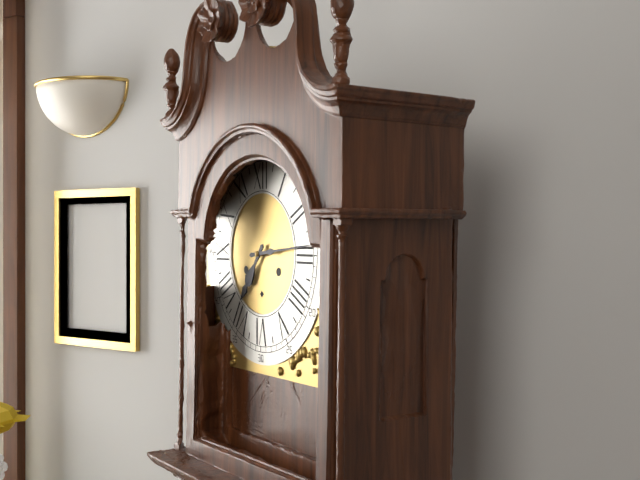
7,14
